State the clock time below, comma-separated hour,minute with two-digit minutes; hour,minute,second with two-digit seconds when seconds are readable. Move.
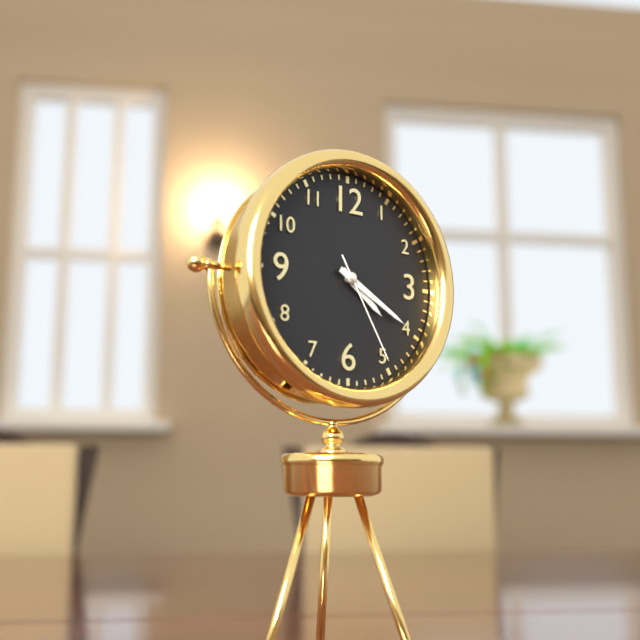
4,20,25
